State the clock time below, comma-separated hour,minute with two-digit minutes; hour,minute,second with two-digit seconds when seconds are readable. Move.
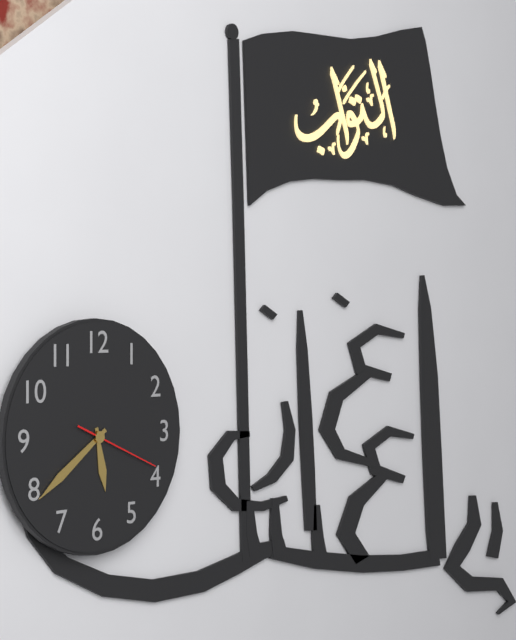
5,39,19
